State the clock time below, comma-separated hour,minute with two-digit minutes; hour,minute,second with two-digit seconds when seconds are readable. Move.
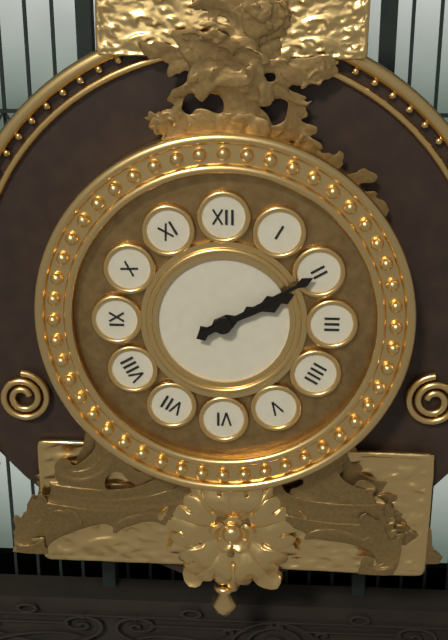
2,10
